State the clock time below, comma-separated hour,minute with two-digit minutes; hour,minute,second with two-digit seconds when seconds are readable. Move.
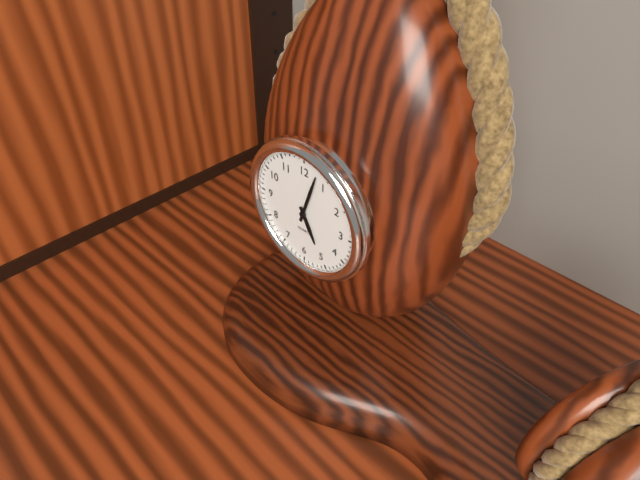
5,03
